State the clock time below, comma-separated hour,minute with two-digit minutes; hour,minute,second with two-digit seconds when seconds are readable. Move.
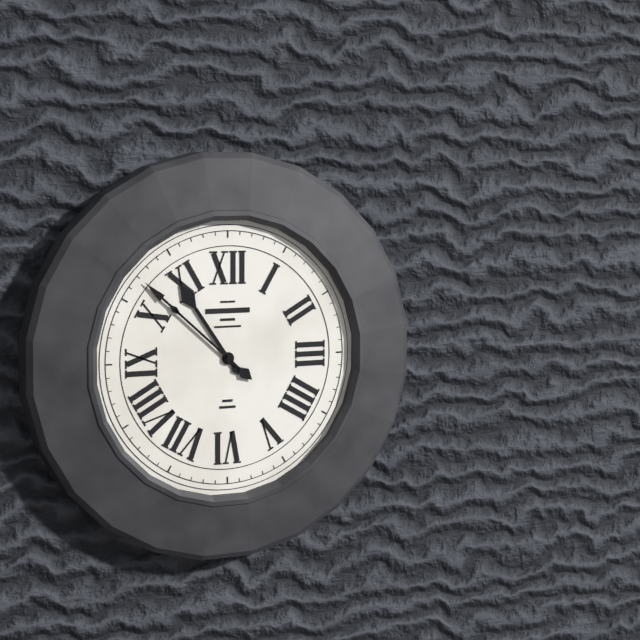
10,52
